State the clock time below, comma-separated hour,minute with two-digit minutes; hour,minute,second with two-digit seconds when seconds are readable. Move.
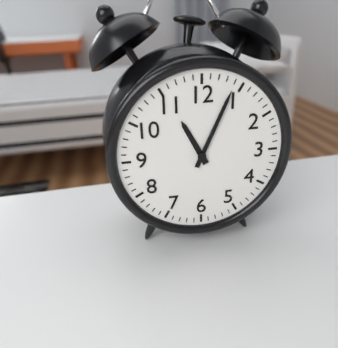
11,04
